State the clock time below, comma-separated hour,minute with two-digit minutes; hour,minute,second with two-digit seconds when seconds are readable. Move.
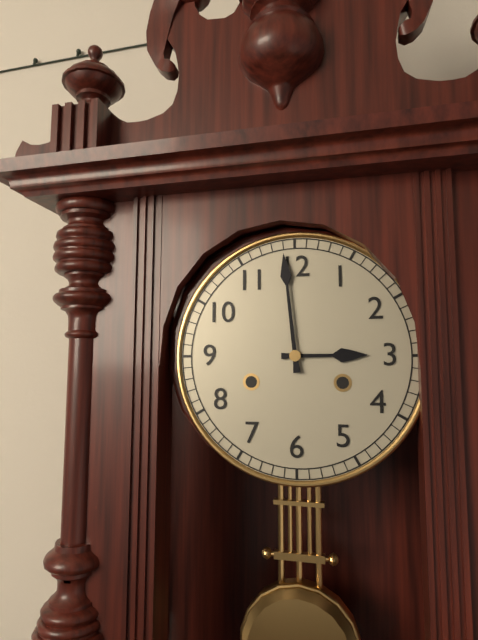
2,59
